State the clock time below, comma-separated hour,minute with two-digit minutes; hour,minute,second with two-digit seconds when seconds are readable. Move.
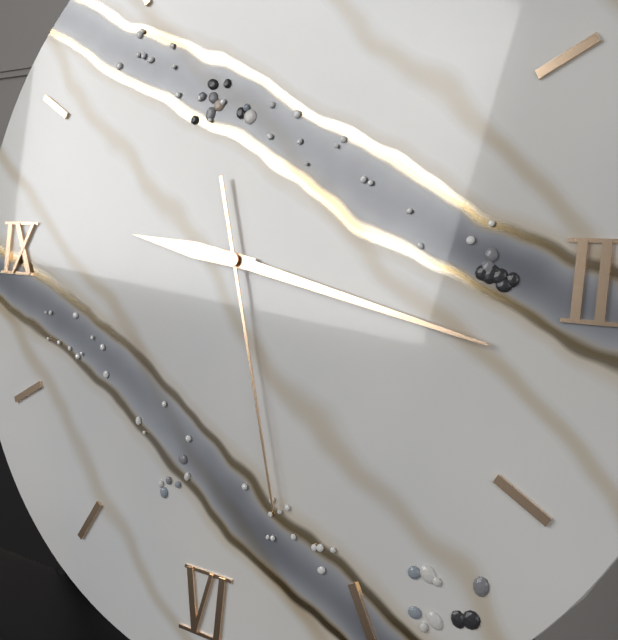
9,17,27
